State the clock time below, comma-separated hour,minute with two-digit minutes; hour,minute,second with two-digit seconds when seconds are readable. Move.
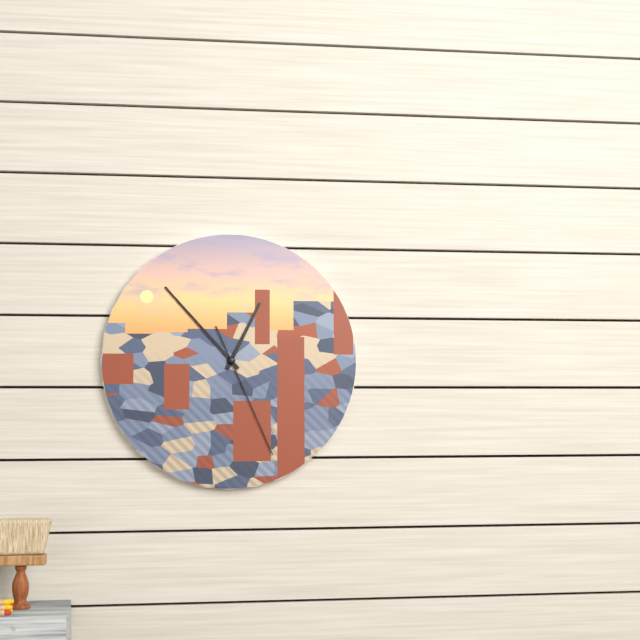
12,53,26
